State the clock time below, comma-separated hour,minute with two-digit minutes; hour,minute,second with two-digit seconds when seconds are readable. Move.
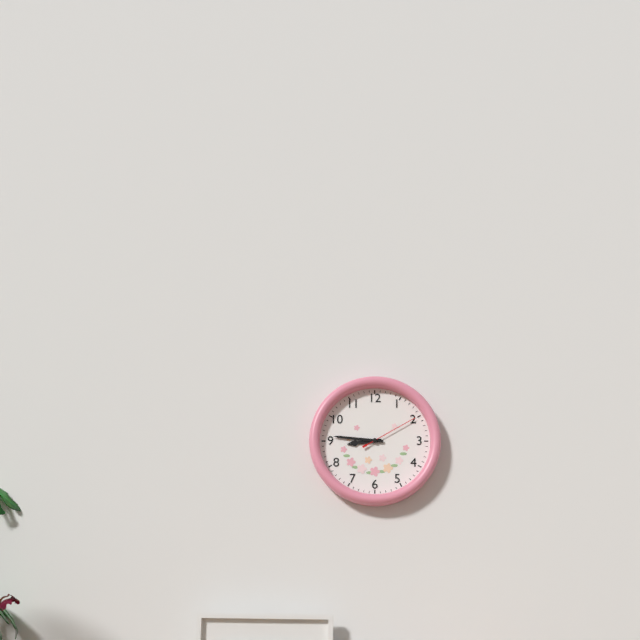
8,46,10
